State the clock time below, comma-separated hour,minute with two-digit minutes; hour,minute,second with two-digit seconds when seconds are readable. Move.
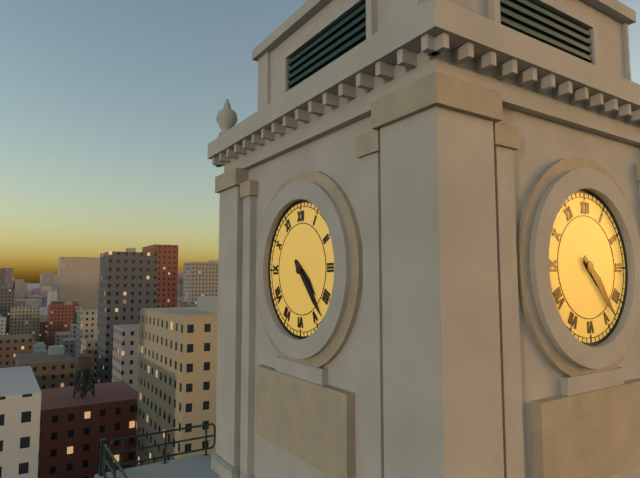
4,23
